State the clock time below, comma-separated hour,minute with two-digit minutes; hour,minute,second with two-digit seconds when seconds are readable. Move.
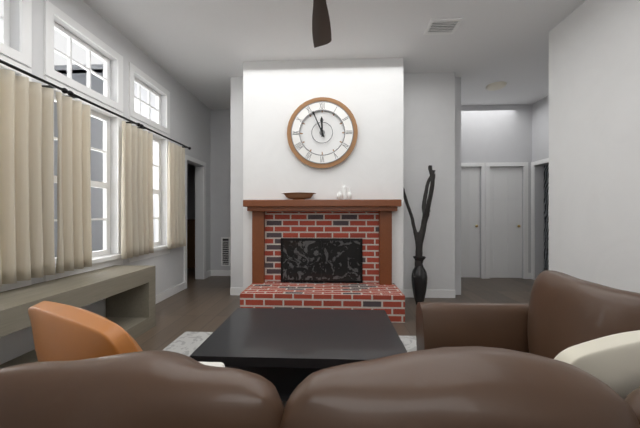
11,56
